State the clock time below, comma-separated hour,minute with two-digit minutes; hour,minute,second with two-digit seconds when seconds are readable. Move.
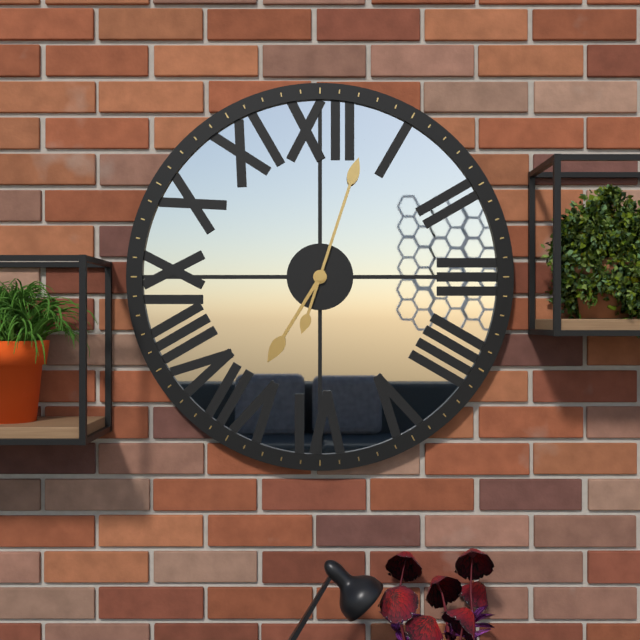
7,03
